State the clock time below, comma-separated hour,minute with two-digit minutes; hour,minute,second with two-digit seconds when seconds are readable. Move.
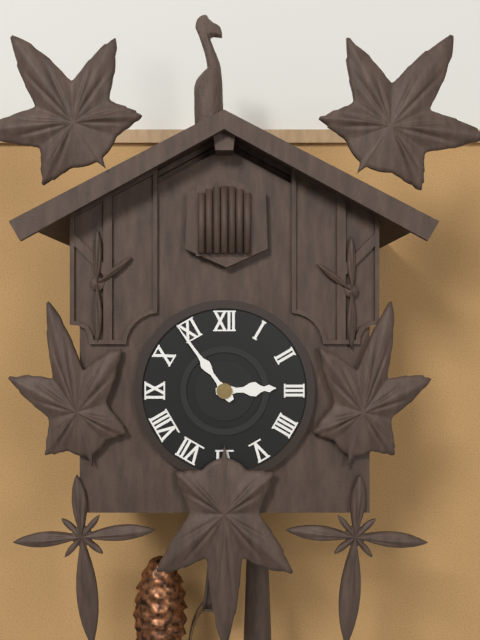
2,54
